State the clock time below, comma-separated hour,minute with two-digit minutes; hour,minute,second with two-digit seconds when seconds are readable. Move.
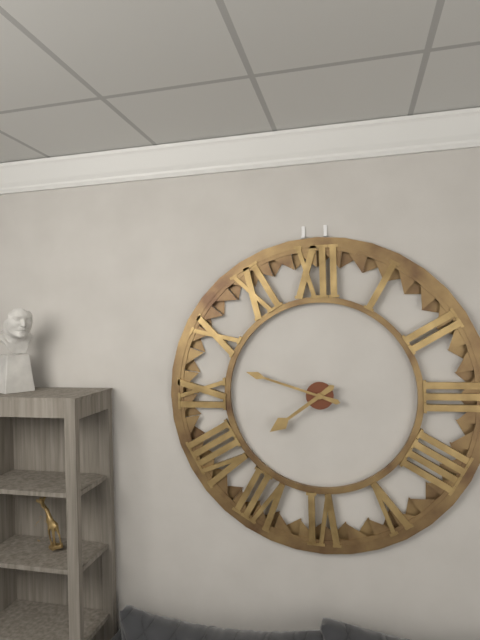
7,48
